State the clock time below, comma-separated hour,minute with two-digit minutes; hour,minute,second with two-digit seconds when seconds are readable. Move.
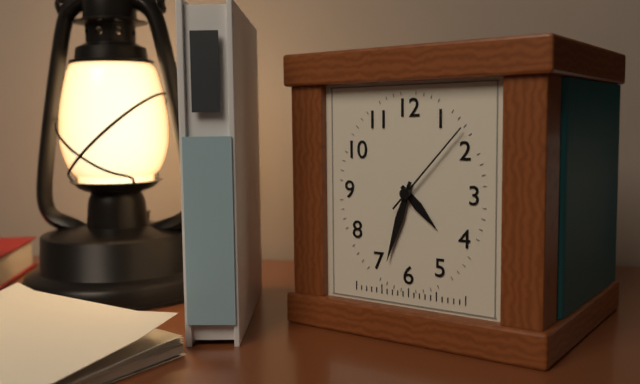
4,33,07
